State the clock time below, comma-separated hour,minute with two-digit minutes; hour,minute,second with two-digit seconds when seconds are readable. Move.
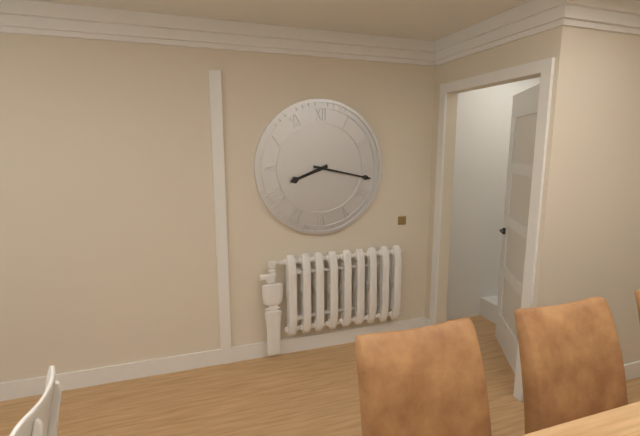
8,17
